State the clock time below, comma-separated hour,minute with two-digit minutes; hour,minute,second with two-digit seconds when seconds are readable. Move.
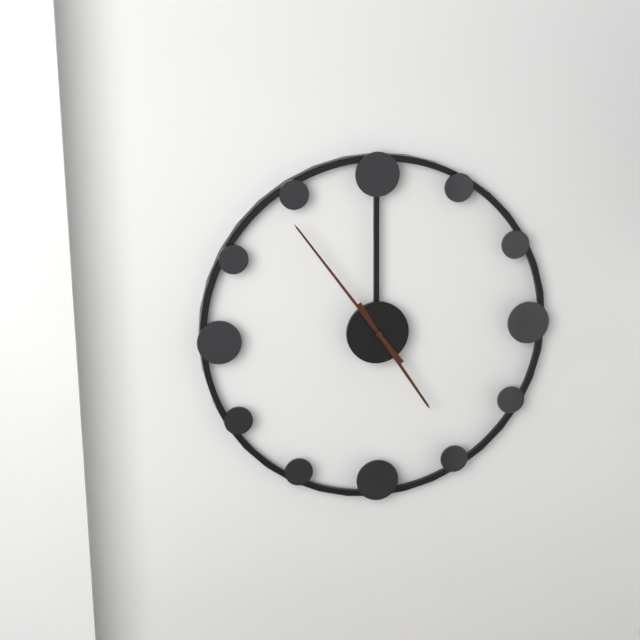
4,54
